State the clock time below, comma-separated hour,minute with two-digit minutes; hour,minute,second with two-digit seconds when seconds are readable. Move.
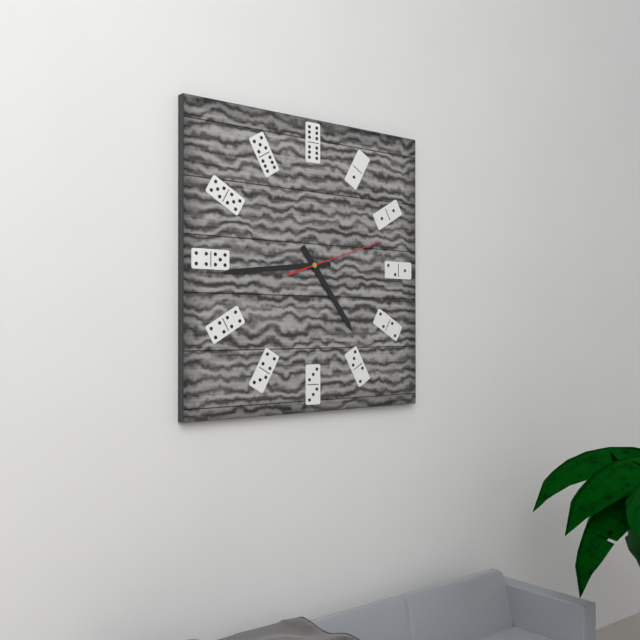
4,44,12
